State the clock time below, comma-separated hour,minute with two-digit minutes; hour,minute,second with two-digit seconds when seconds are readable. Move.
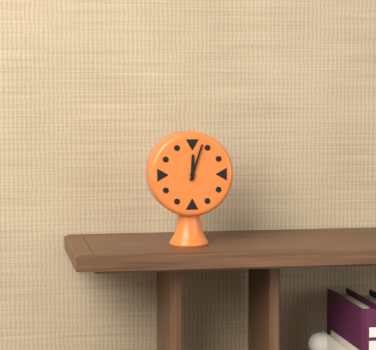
12,03
